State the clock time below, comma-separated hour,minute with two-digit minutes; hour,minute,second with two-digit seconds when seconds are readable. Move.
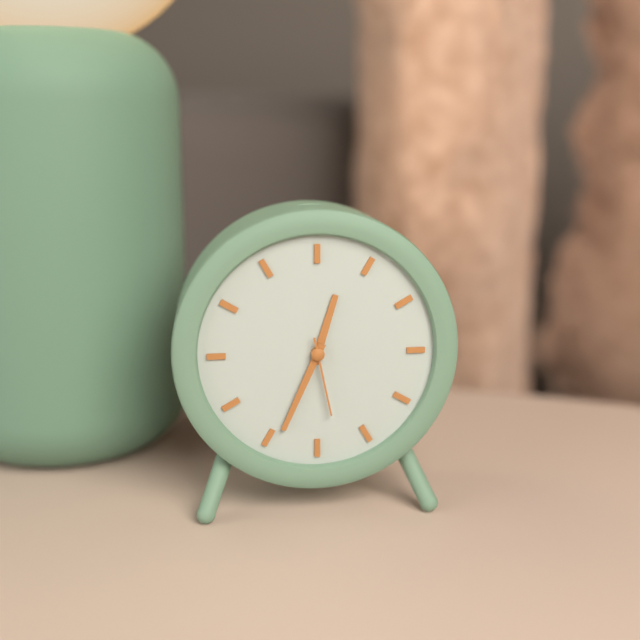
12,34,28
